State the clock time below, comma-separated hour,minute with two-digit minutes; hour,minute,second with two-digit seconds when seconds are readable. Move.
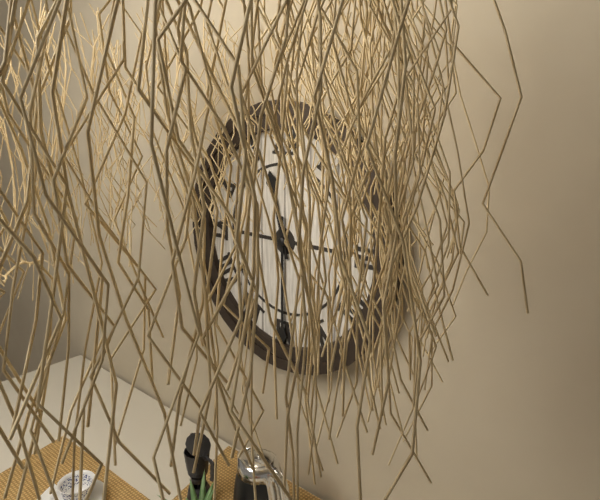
11,30
